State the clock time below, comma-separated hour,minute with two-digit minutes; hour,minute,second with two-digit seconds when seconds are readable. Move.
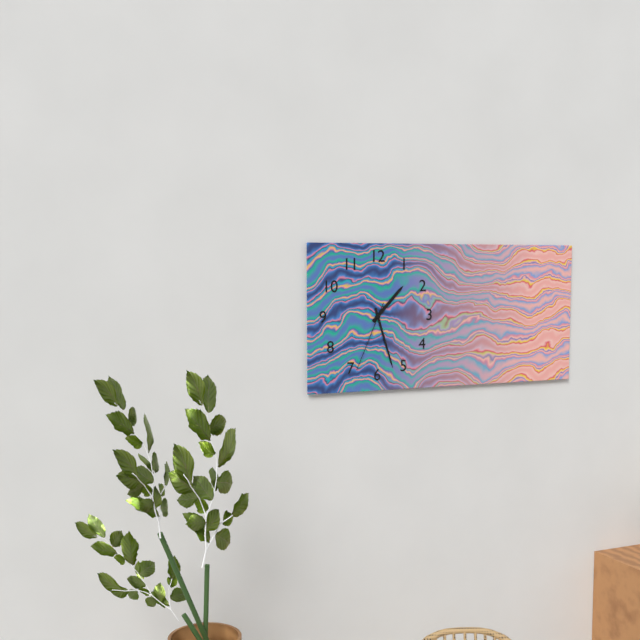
1,27,34
